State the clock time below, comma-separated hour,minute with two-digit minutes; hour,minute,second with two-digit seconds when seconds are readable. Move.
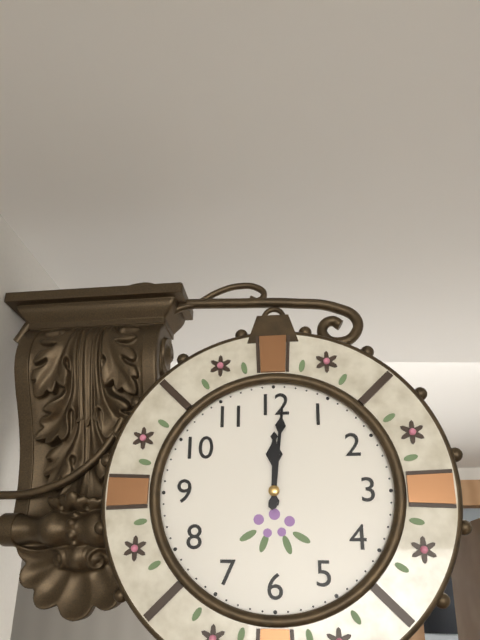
12,01
